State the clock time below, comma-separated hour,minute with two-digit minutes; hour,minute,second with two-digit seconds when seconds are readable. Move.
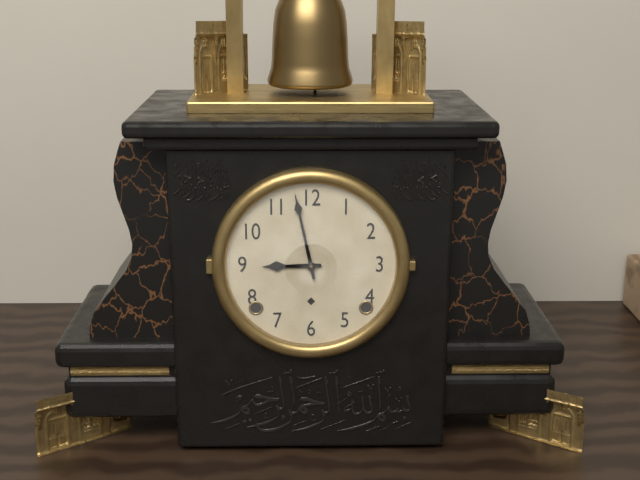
8,58
